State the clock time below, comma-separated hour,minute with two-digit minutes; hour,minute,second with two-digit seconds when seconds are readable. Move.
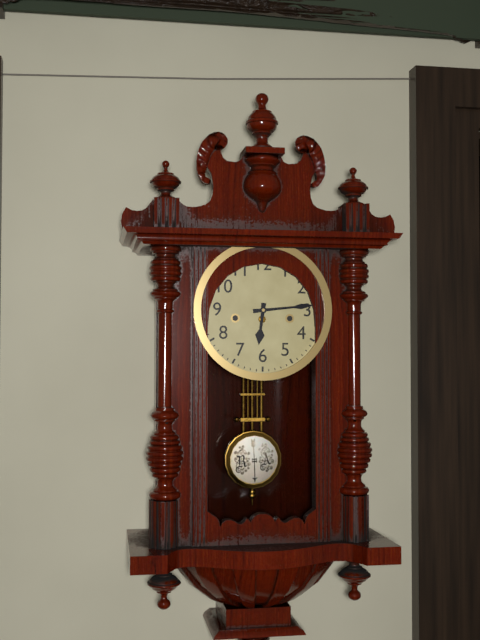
6,14
